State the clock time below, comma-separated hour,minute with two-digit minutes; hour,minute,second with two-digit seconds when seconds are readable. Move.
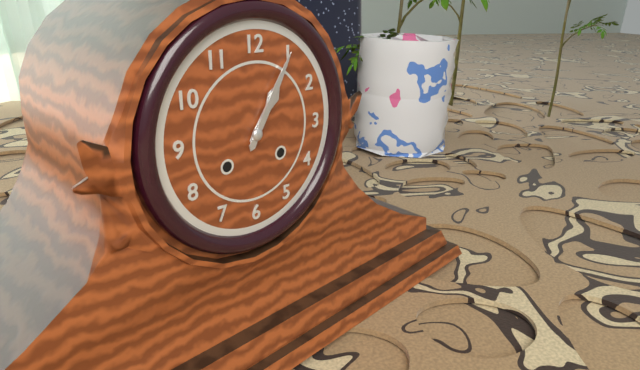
1,05
